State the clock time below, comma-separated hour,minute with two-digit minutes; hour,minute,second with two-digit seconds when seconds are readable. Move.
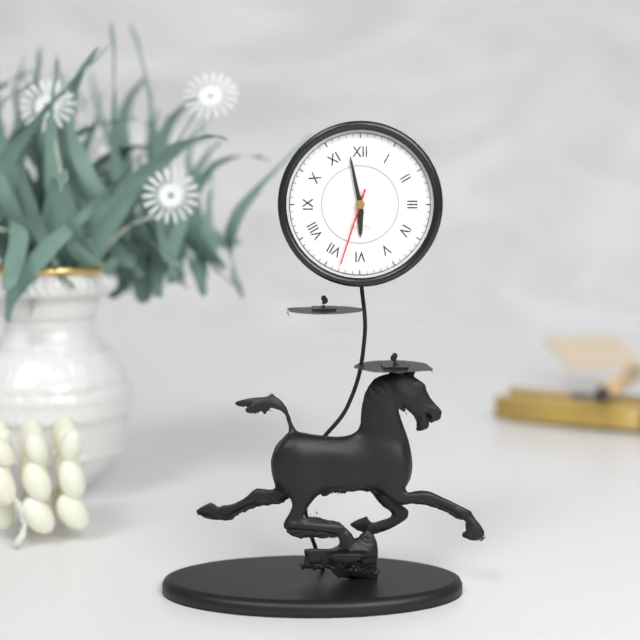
5,58,33
